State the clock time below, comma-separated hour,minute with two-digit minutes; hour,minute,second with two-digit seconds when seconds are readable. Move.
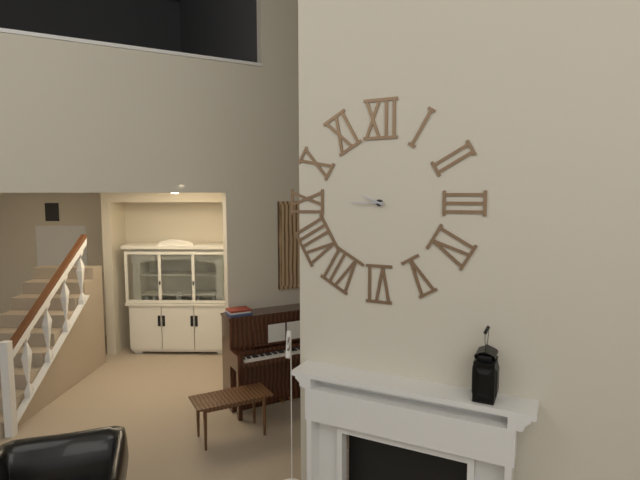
9,45
